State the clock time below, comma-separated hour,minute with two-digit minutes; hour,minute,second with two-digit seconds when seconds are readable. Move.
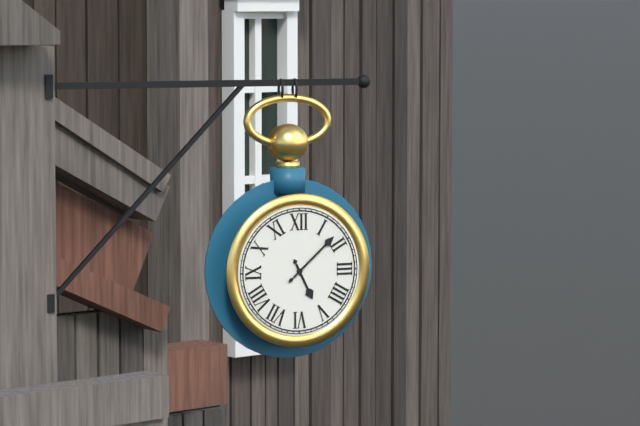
5,08
